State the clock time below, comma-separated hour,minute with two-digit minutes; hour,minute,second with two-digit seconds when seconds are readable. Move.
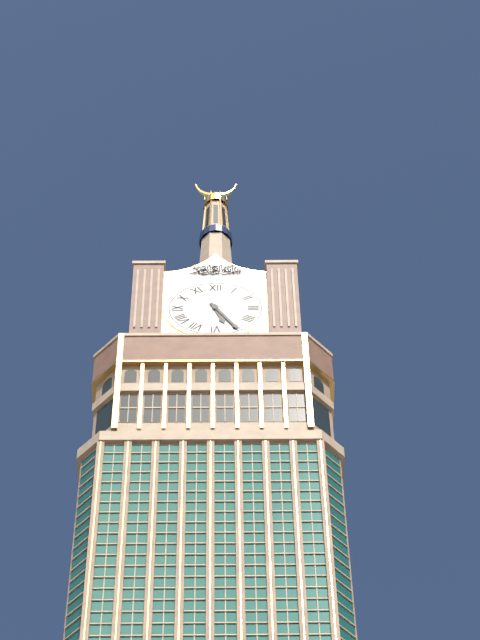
5,25
